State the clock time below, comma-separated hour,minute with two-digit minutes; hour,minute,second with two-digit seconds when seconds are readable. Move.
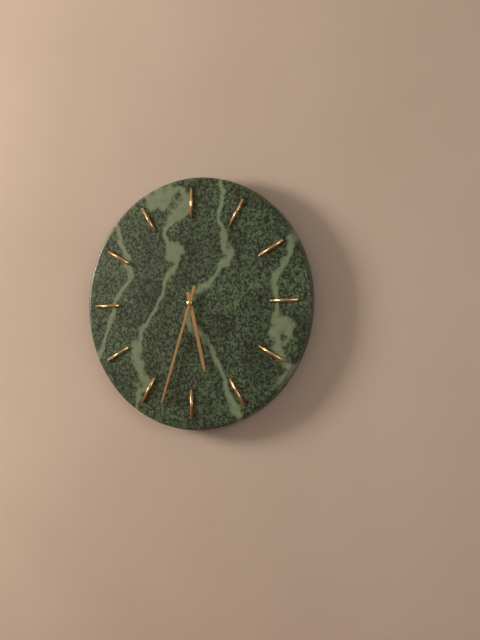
5,33
